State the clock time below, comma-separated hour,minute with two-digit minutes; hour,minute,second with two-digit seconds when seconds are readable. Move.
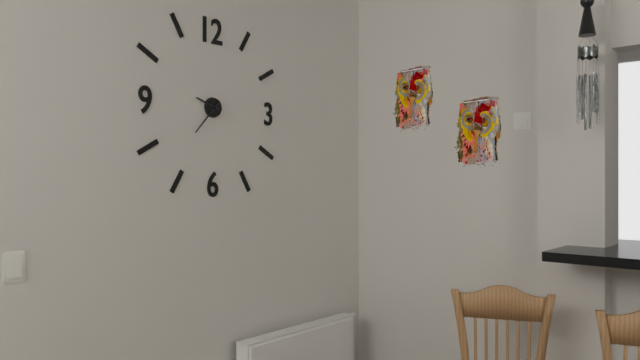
9,37
